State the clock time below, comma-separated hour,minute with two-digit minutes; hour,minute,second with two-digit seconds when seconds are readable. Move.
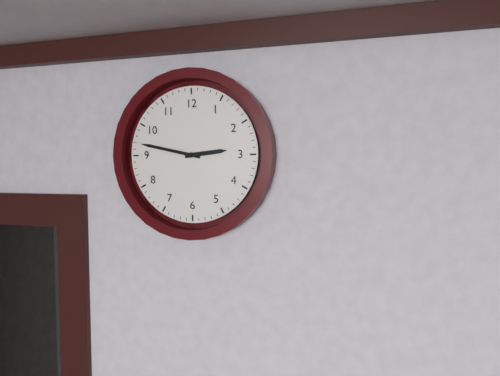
2,47
